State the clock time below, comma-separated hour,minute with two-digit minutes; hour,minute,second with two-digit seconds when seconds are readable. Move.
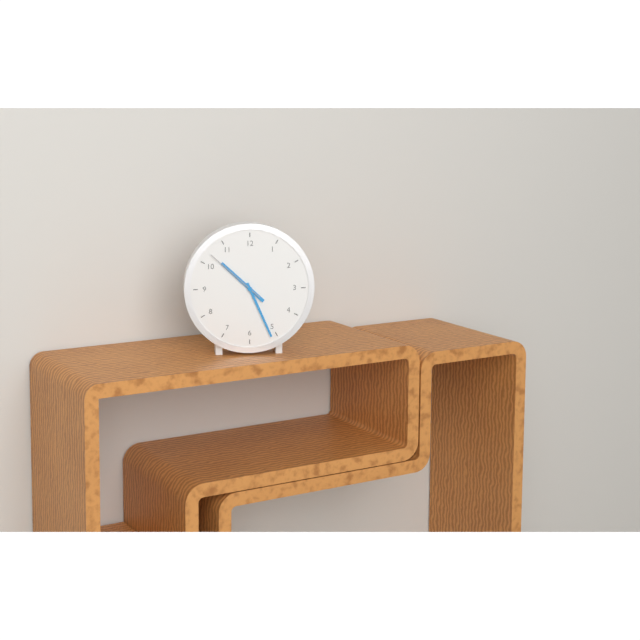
10,26,52
